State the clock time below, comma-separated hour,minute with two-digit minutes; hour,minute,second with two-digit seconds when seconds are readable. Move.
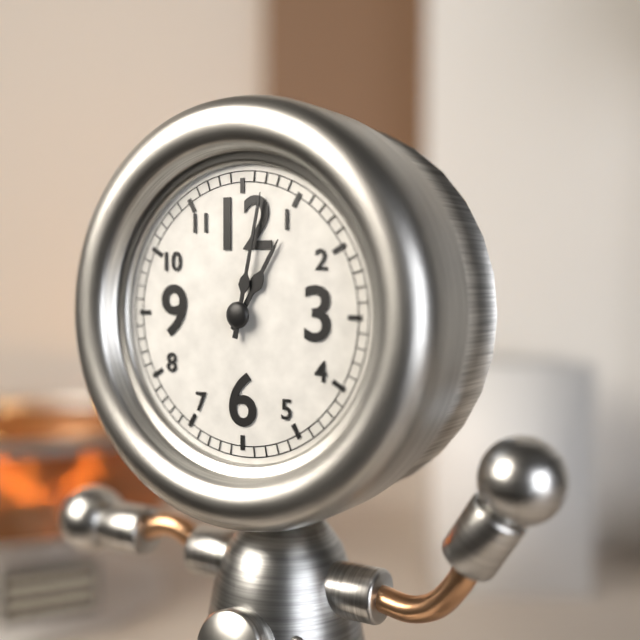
1,02
